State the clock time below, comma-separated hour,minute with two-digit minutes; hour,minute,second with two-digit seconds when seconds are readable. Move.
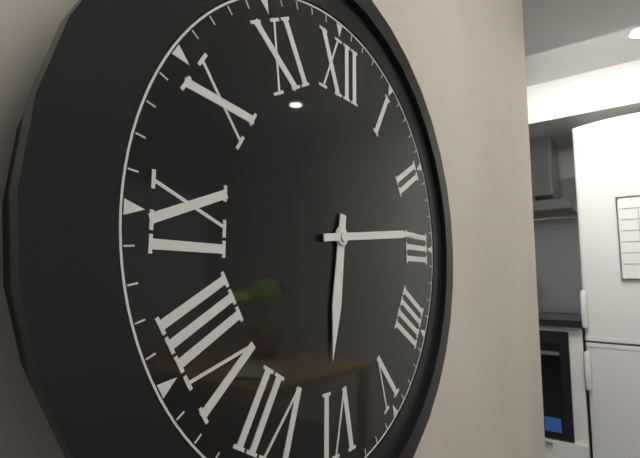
6,14
